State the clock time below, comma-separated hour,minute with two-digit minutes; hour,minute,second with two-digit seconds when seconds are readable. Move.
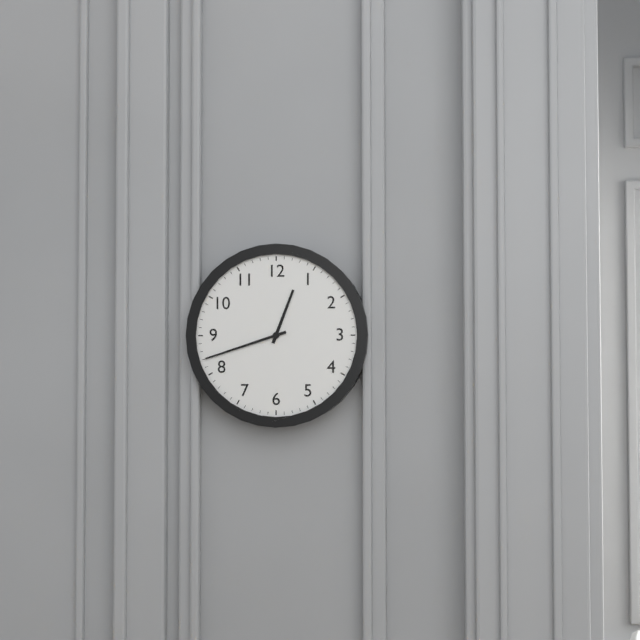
12,42
